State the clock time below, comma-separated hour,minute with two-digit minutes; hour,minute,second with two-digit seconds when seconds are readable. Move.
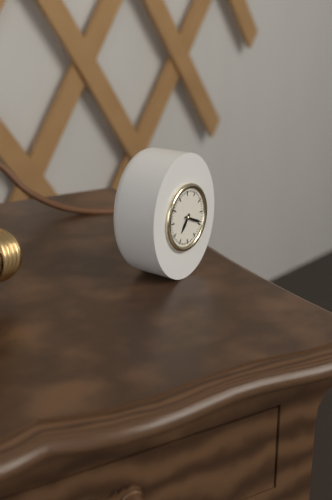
7,19
